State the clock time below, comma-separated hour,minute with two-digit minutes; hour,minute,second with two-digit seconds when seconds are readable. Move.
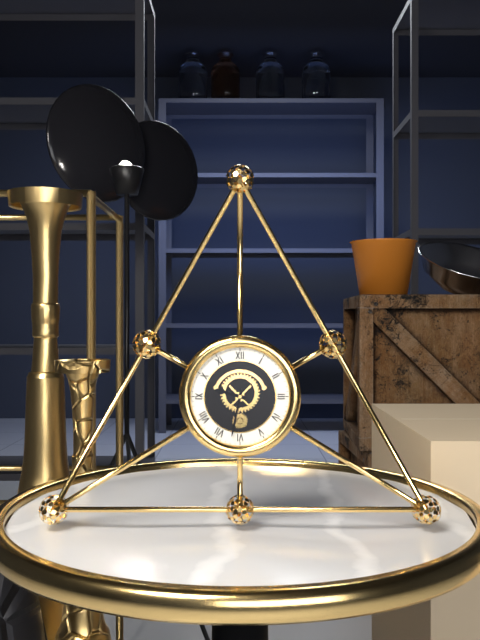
9,32
